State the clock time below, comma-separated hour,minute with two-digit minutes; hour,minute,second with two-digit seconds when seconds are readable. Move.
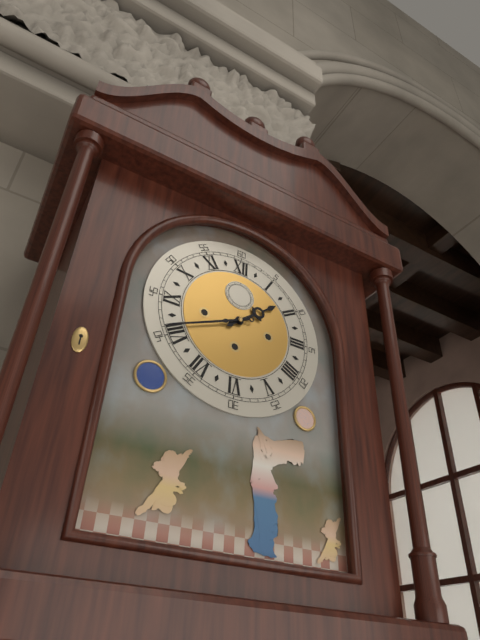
1,41
